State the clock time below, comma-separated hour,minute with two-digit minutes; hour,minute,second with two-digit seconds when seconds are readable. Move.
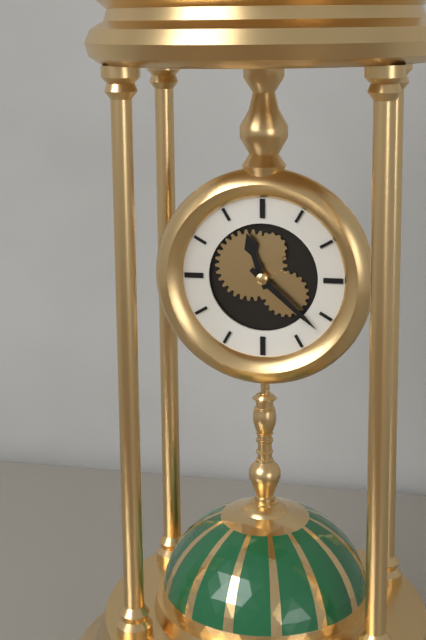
11,22
